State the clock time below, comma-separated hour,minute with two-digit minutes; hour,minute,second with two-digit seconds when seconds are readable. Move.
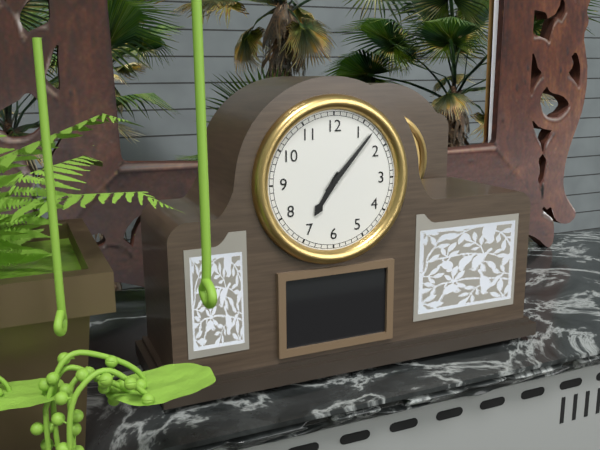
7,07
